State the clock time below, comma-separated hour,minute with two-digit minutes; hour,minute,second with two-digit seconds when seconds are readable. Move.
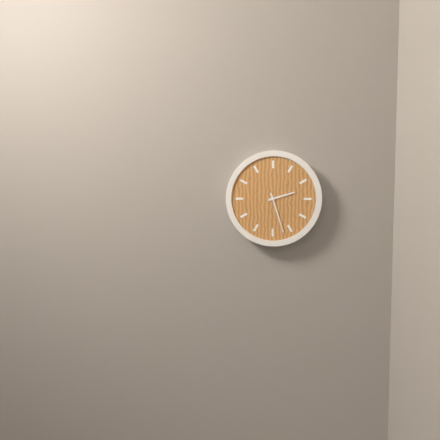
2,27
